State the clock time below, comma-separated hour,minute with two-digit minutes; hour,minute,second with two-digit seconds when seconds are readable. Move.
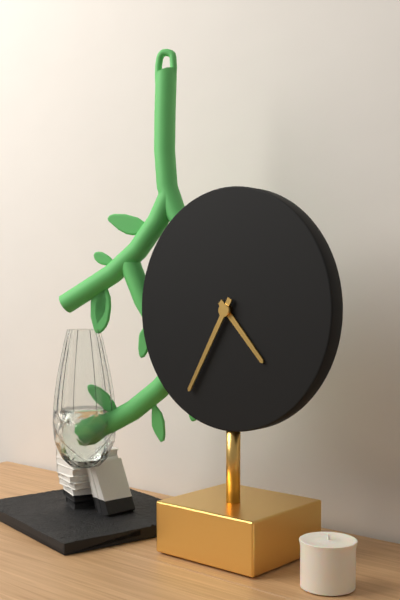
4,35
